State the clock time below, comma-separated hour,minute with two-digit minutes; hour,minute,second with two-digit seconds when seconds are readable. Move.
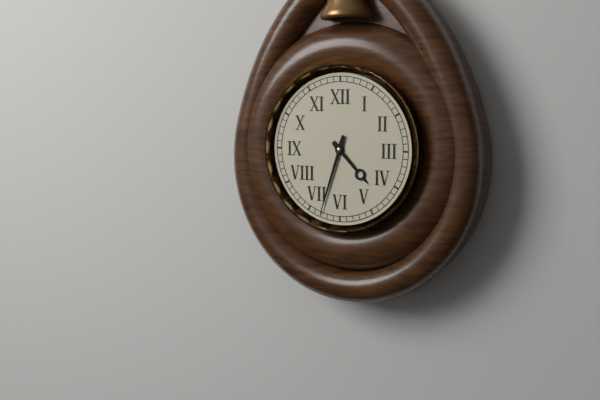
4,33
